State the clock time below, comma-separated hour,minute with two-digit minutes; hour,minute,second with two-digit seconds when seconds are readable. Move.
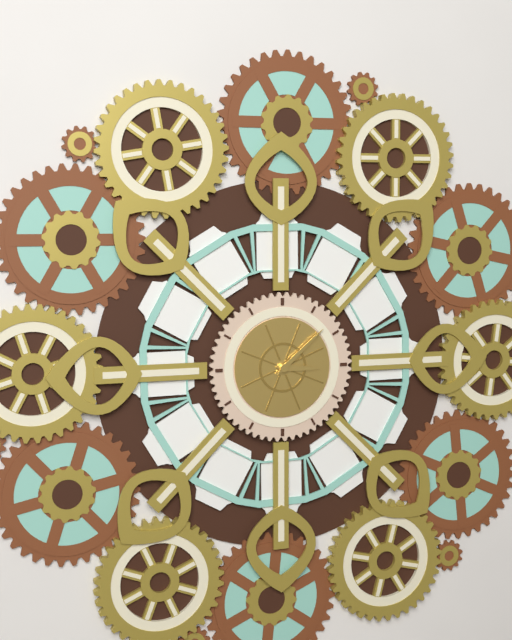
3,08
